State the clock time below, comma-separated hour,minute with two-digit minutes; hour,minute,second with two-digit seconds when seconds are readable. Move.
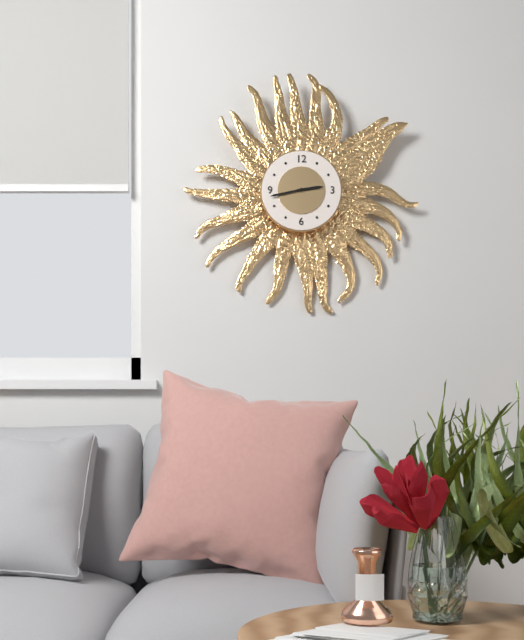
2,43
